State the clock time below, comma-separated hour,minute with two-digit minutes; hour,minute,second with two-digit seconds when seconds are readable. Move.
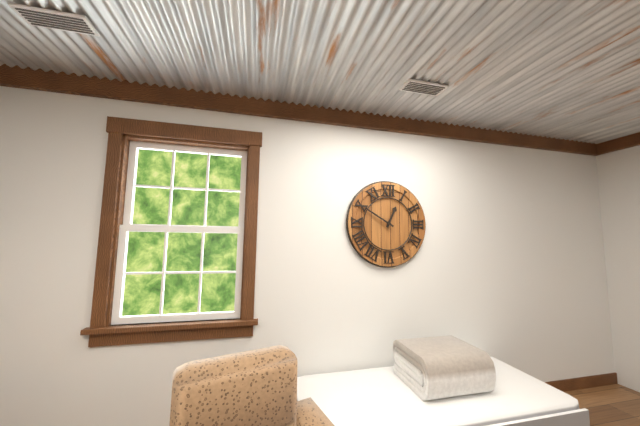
12,50
